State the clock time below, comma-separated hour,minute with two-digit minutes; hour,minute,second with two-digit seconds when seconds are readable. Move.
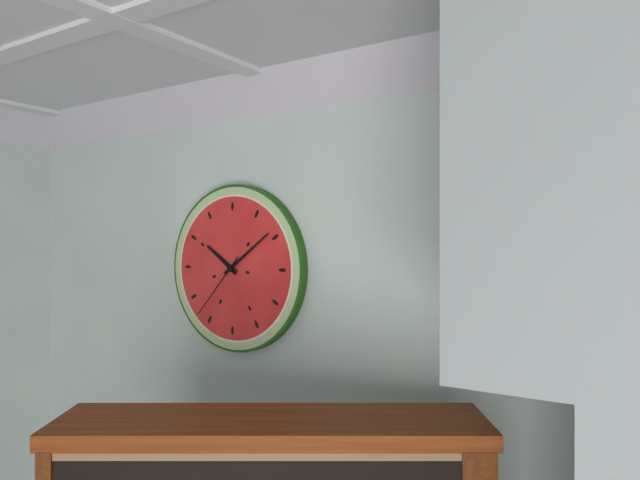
10,09,37
